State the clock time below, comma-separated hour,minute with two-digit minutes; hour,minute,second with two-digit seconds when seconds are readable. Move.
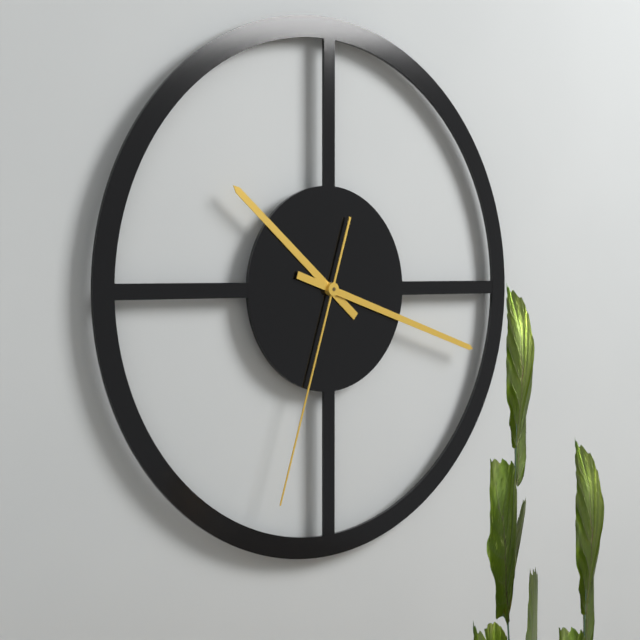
10,18,33
